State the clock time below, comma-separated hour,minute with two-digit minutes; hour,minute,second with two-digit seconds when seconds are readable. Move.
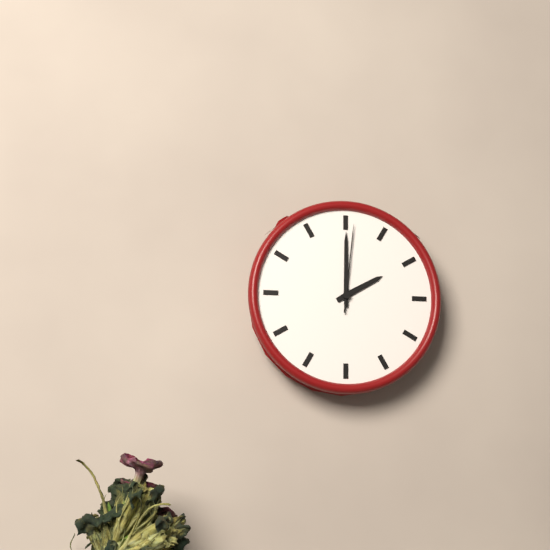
2,00,01
